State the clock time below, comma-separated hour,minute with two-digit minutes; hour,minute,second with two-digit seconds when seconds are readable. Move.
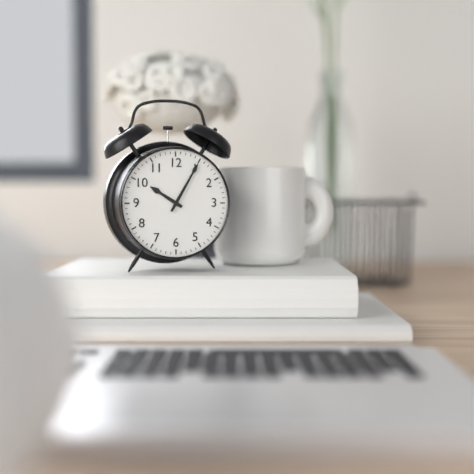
10,05
